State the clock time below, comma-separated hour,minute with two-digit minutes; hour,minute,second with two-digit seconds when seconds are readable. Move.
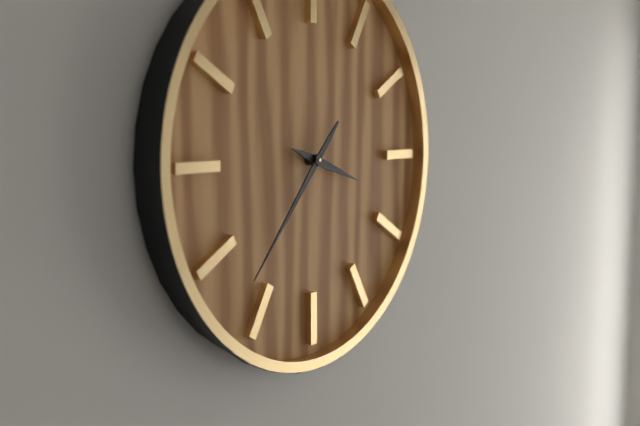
3,37
